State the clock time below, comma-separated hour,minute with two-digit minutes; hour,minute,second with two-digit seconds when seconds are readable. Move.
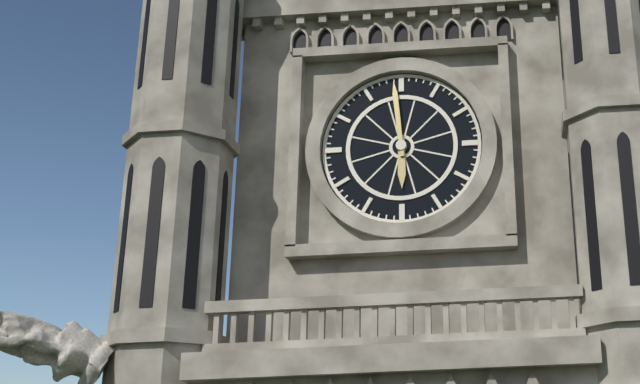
5,59
